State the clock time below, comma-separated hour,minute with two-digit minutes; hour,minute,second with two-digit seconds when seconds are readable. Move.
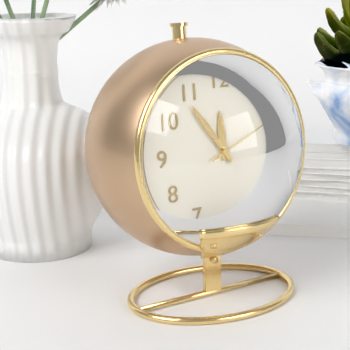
11,54,11
